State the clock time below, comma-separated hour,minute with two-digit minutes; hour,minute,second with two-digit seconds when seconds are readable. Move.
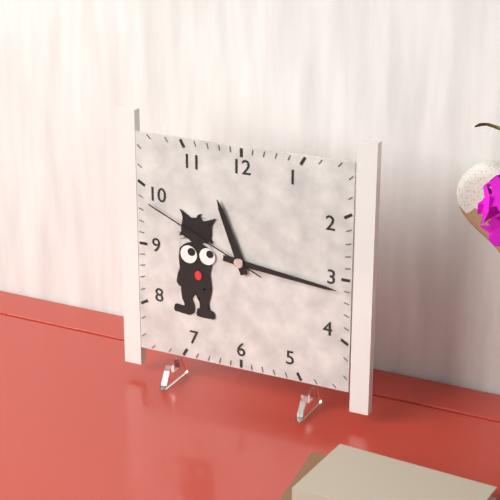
11,16,49
